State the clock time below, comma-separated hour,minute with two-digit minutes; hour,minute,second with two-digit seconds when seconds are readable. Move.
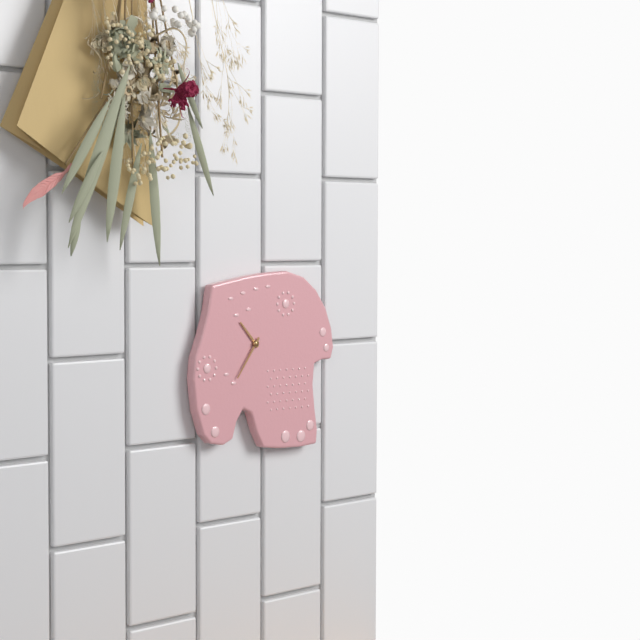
10,36
